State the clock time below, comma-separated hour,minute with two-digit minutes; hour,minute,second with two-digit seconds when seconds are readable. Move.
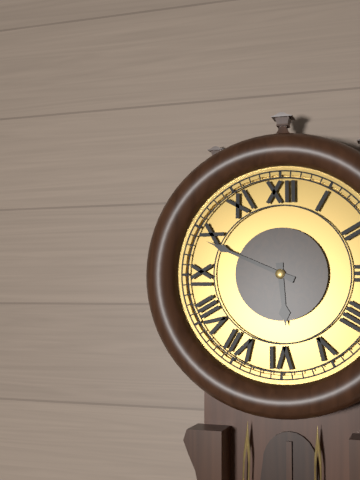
5,49
